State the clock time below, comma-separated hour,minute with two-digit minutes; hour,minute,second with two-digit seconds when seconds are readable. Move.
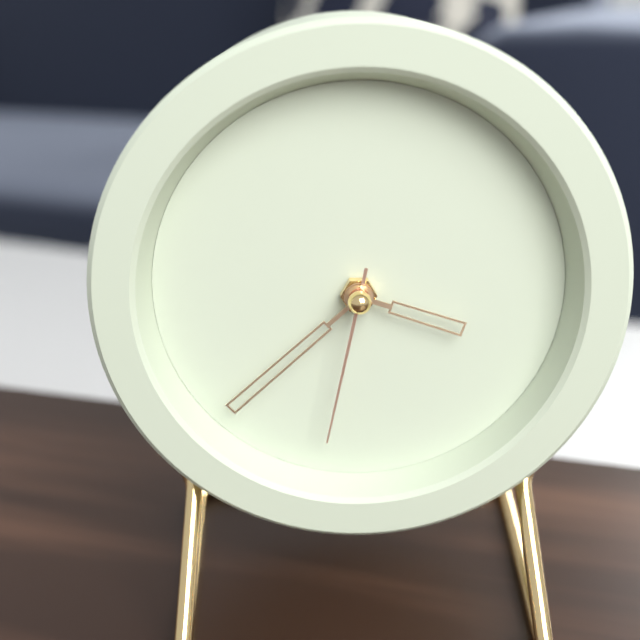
3,38,32
